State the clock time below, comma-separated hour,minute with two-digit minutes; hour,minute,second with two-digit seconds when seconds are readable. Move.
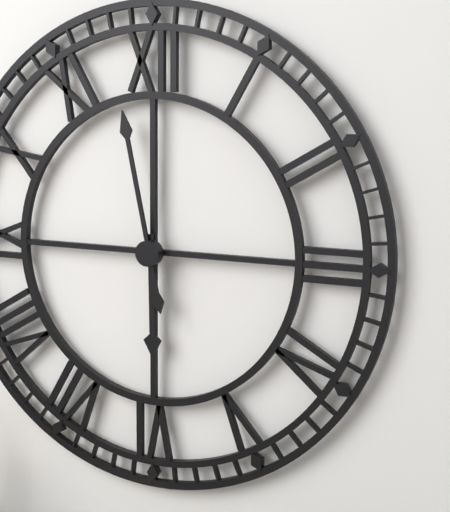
5,58
